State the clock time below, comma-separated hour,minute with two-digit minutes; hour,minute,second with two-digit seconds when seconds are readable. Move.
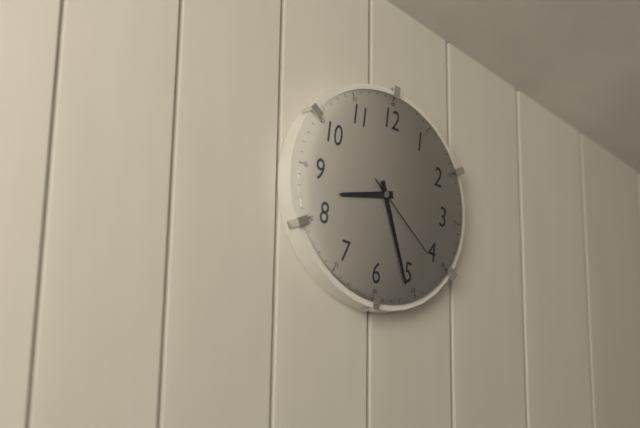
8,26,21
